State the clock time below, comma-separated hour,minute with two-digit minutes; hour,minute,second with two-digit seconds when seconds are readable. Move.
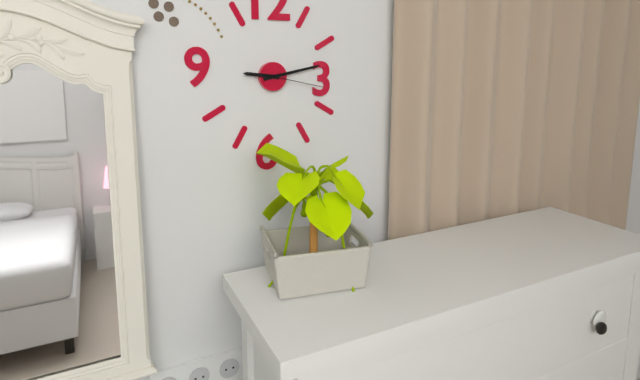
9,13,17
